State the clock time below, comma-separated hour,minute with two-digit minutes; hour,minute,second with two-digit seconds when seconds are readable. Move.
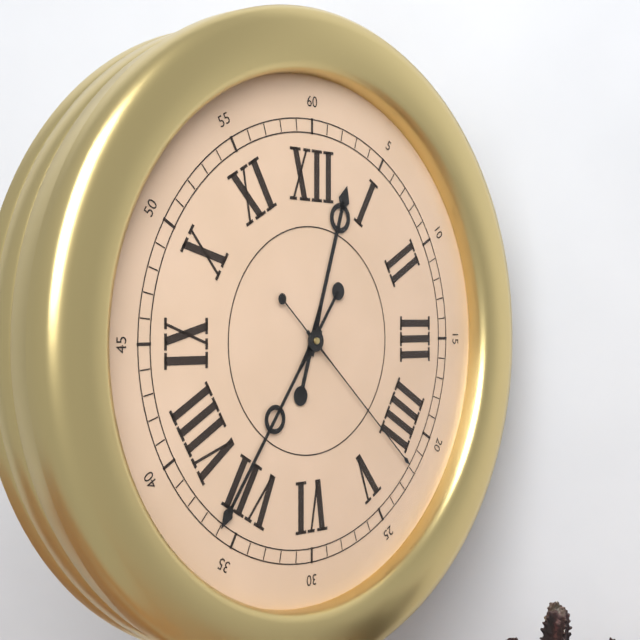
12,36,22
